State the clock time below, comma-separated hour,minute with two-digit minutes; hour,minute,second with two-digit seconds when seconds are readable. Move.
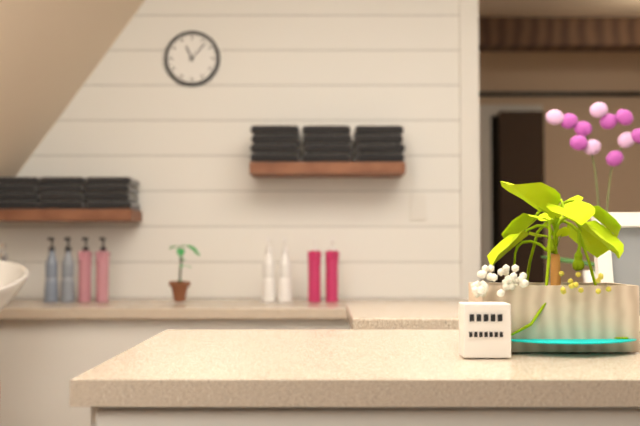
11,07
